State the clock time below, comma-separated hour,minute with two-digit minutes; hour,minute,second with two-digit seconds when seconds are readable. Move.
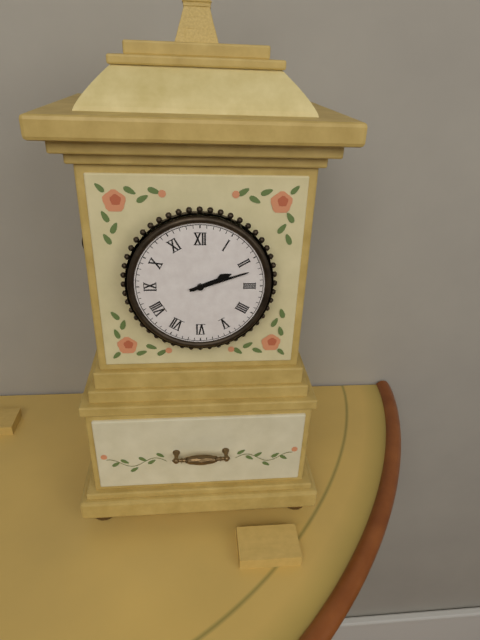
2,12
